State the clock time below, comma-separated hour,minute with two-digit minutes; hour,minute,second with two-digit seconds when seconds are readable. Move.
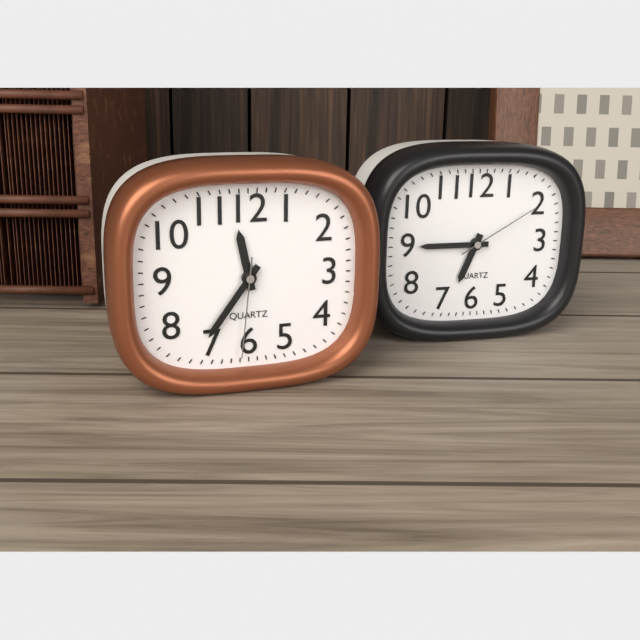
11,36,31
